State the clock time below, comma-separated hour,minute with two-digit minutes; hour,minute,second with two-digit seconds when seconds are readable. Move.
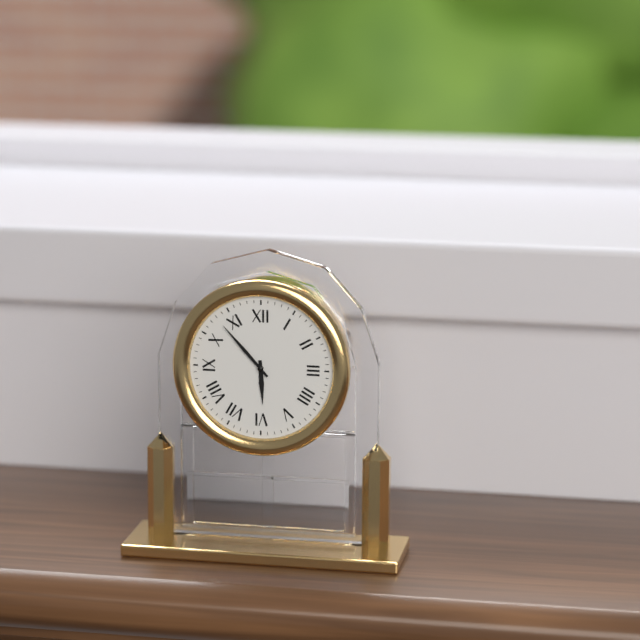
5,53
